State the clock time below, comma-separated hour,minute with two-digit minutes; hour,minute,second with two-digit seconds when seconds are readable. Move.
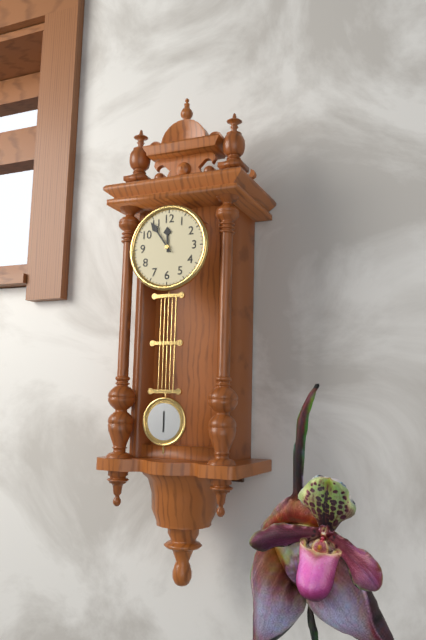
11,54
